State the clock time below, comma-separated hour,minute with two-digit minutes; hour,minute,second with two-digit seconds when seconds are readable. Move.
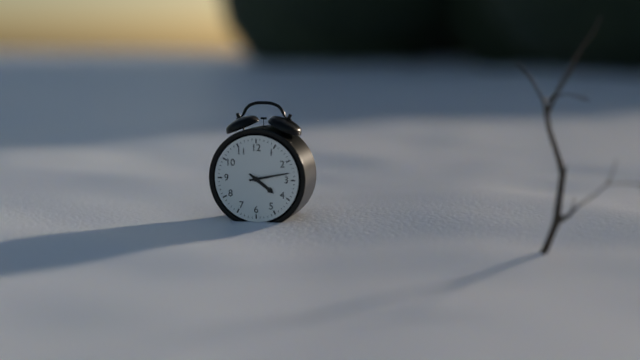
4,13
